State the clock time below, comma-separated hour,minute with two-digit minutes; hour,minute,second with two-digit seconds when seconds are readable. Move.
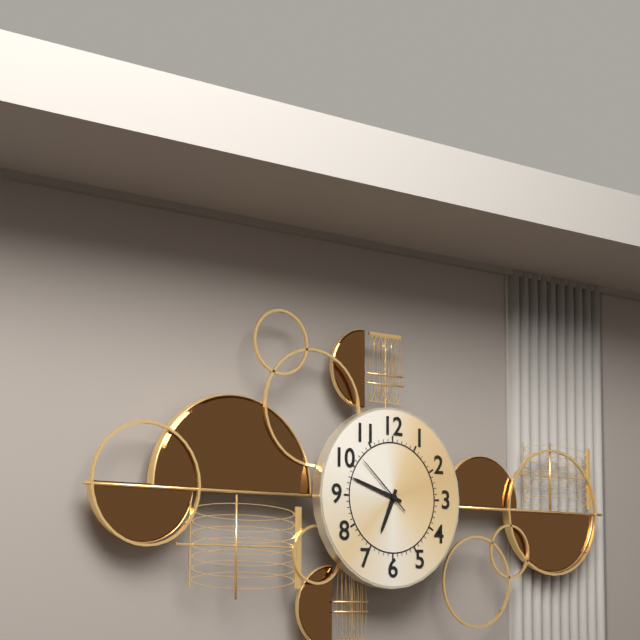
6,48,52
